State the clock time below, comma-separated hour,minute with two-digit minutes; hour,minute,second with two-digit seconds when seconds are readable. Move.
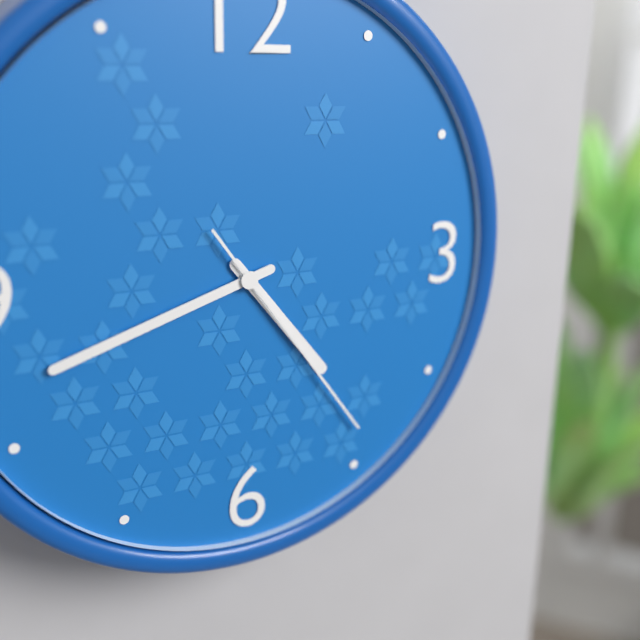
4,42,24
